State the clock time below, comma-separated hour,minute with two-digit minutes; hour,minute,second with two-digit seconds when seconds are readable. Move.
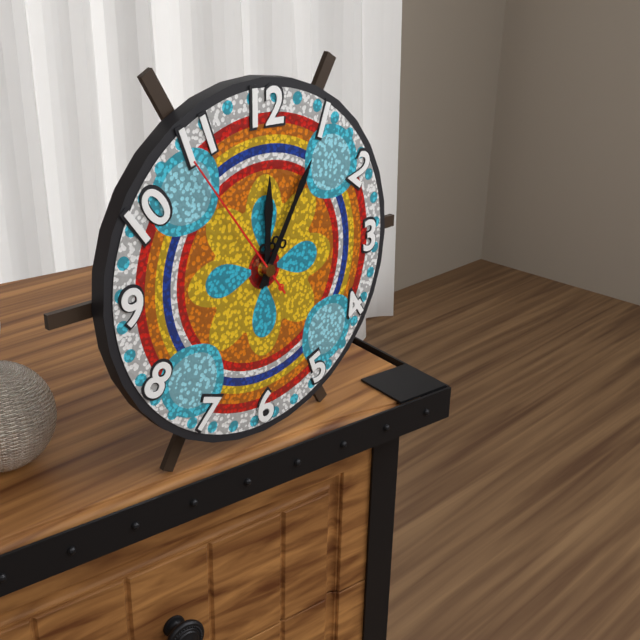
12,05,54
